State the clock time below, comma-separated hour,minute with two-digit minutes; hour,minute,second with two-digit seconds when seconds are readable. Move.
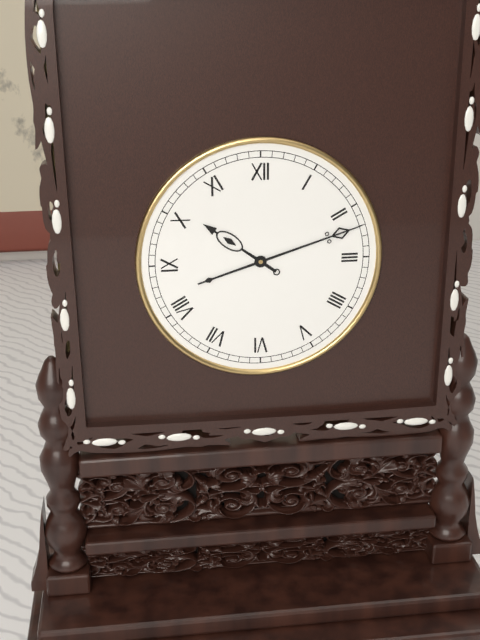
10,12
